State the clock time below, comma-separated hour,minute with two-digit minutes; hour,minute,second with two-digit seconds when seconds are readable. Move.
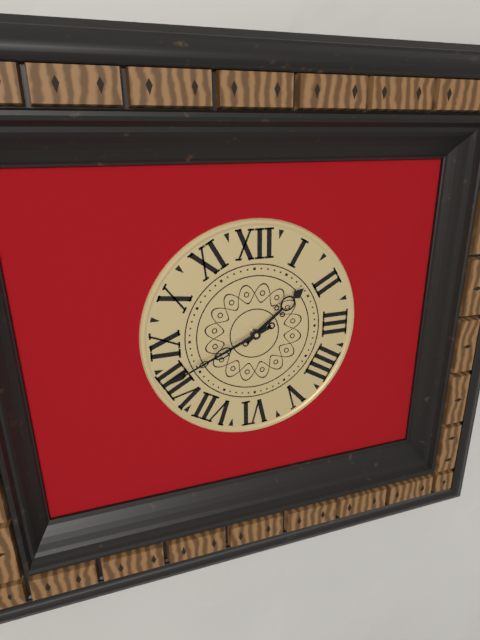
1,41
